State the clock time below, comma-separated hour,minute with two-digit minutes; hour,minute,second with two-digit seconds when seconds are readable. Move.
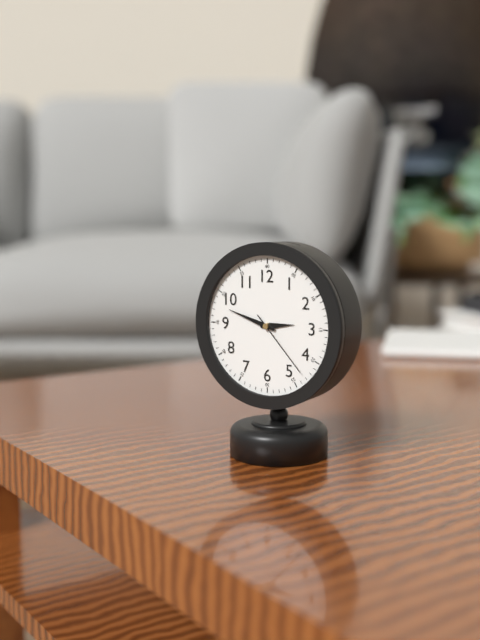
2,48,23
